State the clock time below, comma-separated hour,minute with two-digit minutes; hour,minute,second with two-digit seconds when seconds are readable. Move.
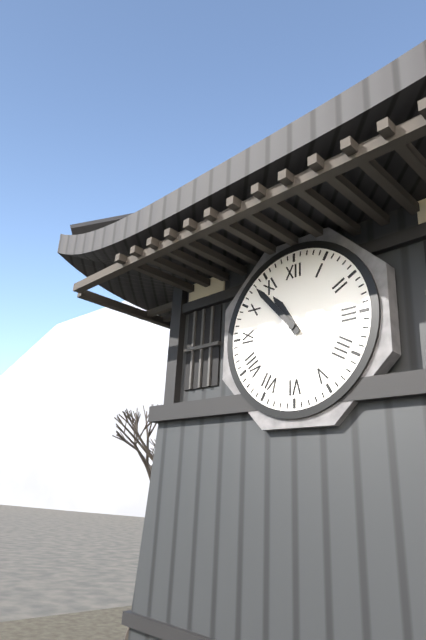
10,53
